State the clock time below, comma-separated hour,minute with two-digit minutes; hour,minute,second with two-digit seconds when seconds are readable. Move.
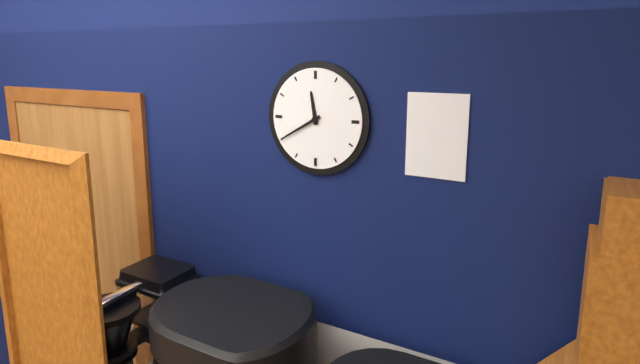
11,40
